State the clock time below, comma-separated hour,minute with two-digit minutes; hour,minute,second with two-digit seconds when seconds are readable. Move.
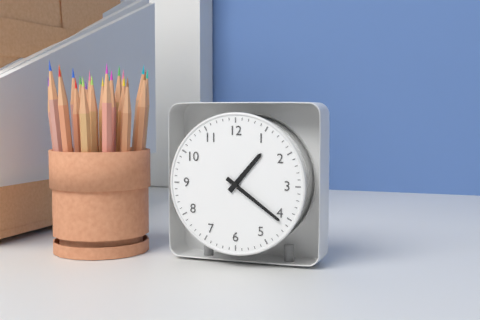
1,21
